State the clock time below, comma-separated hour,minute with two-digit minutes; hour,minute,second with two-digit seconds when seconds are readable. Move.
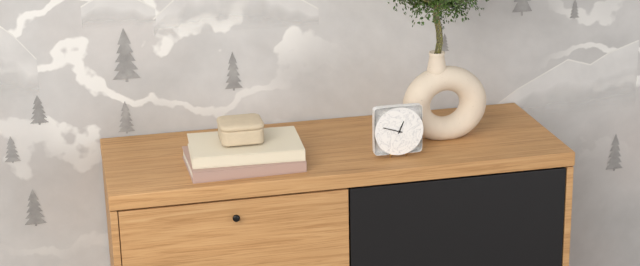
12,48
